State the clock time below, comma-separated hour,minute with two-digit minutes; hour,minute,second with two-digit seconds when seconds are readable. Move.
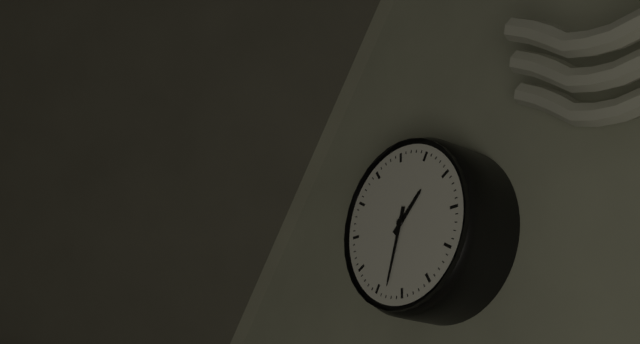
1,33
